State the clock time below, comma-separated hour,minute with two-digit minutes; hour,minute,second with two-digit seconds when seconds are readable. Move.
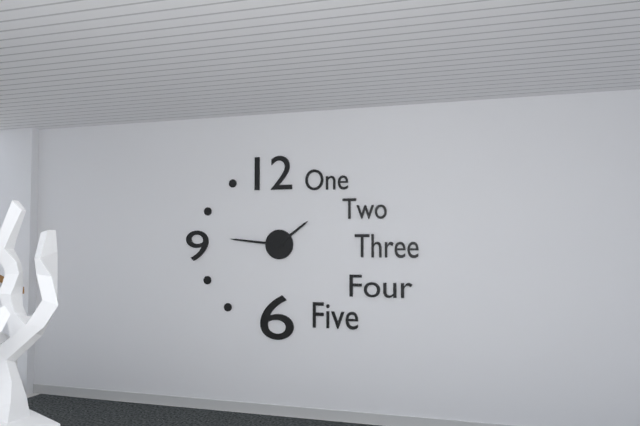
1,46
